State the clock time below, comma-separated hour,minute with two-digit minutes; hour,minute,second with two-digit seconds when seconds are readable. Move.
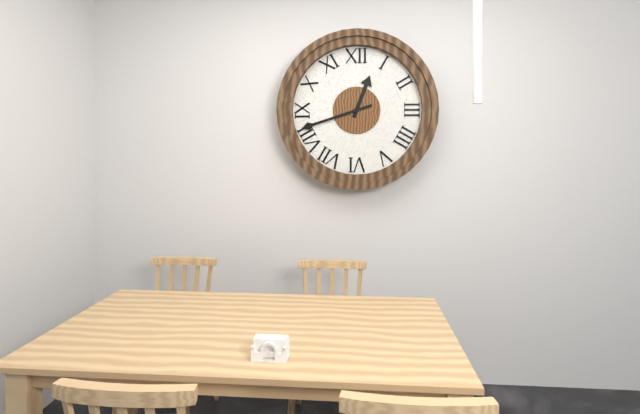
12,42
